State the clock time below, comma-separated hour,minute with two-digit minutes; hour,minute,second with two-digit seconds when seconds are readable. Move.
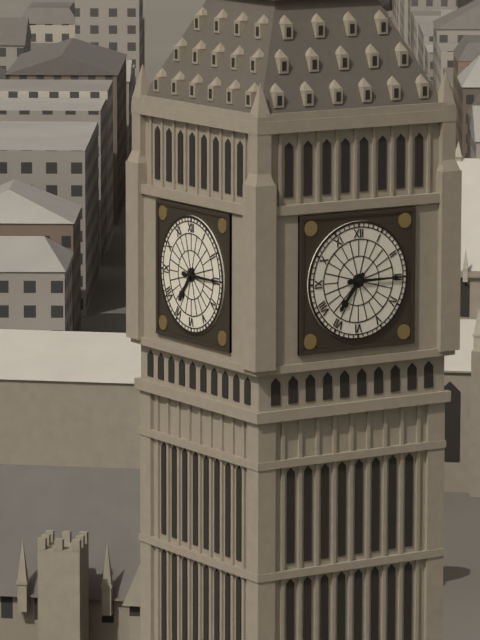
7,15
